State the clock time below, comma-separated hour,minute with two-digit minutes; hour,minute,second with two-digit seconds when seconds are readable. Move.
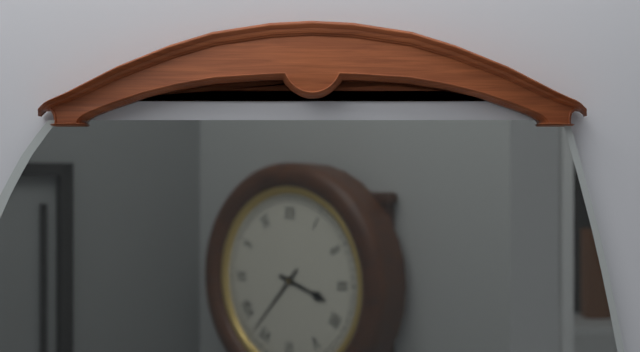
3,37
